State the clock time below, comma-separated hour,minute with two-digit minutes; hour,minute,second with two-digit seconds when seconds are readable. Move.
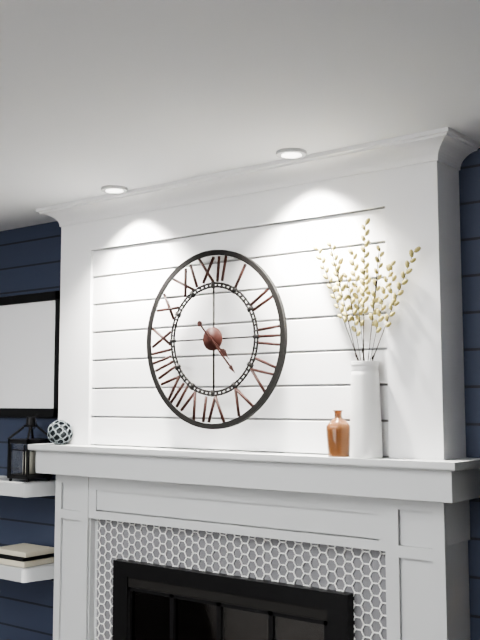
4,23
